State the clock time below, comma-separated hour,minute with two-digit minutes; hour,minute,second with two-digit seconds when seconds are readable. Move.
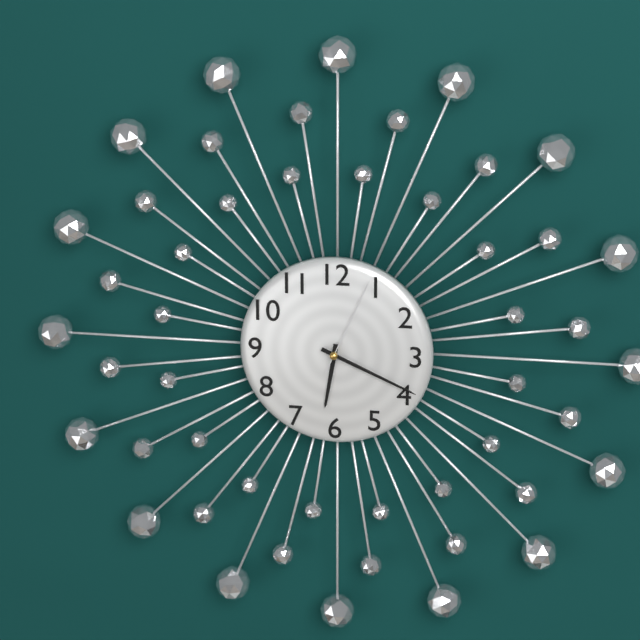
6,19,04
